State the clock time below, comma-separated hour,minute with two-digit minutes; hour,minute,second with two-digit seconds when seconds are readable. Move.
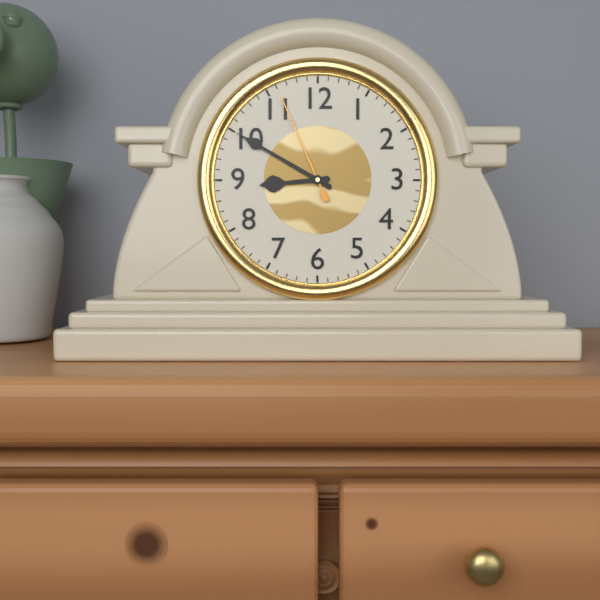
8,50,56
